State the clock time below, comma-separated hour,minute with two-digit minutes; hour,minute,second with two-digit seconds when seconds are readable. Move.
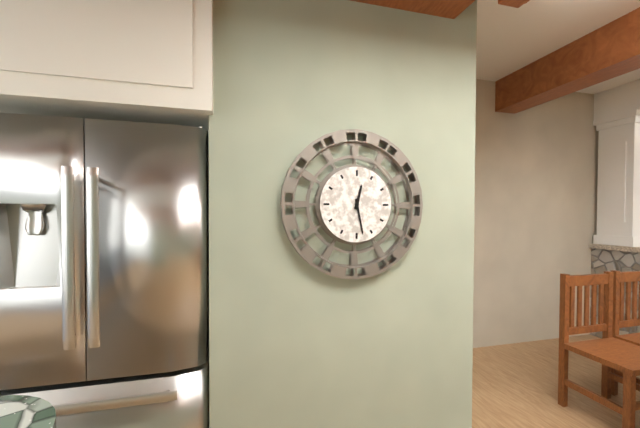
12,28
